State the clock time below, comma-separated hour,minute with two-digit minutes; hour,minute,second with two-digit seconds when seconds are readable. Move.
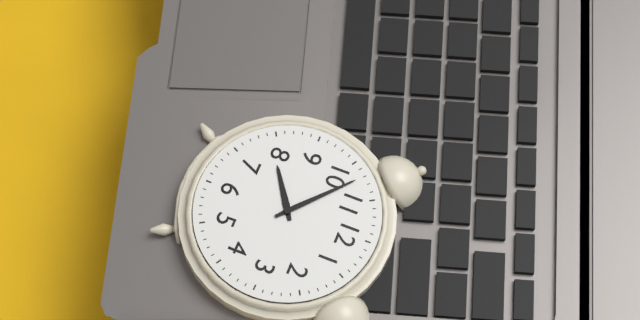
7,52
